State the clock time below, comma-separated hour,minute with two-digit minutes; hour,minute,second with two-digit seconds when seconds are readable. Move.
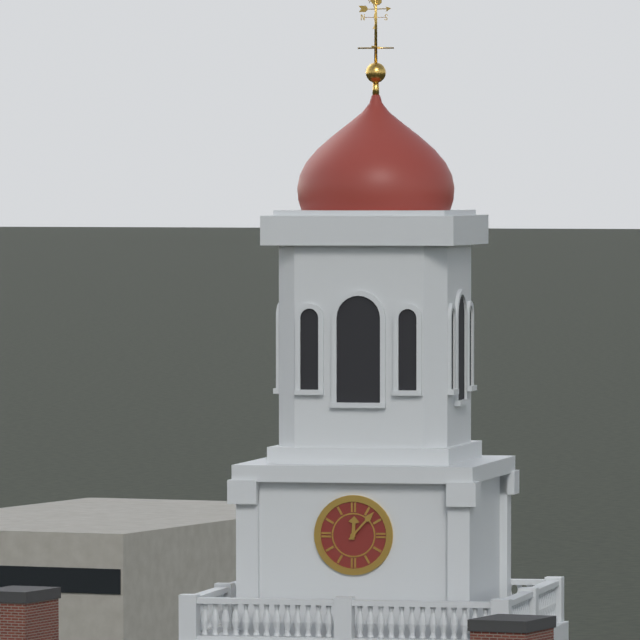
12,07
